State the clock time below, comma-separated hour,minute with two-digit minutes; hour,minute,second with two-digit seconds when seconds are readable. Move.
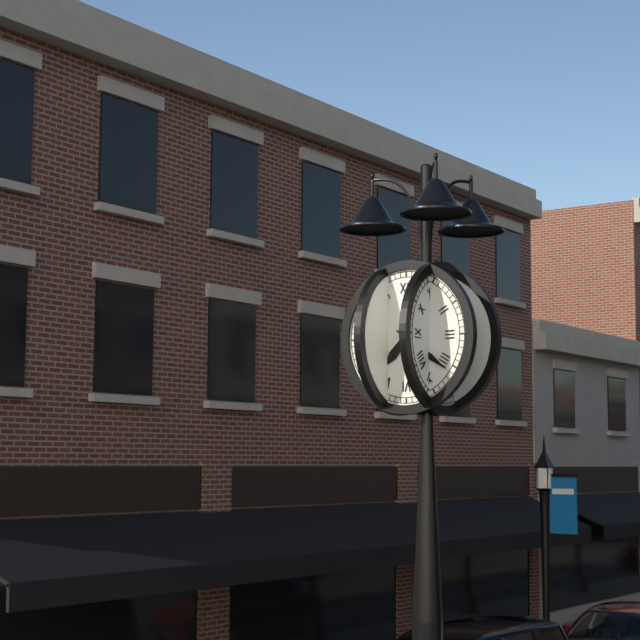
7,21
